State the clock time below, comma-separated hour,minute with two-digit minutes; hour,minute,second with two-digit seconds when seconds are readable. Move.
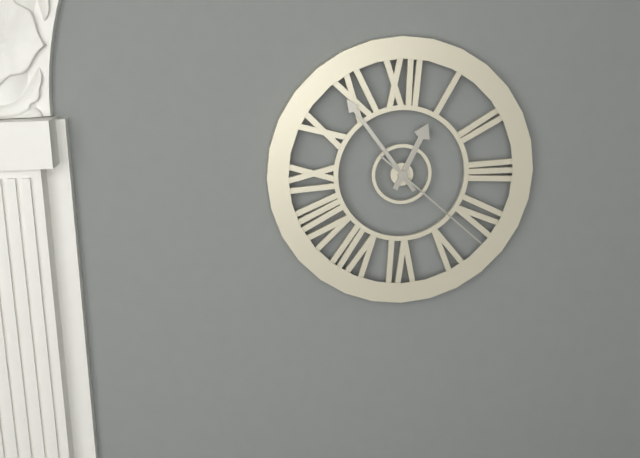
12,54,22
